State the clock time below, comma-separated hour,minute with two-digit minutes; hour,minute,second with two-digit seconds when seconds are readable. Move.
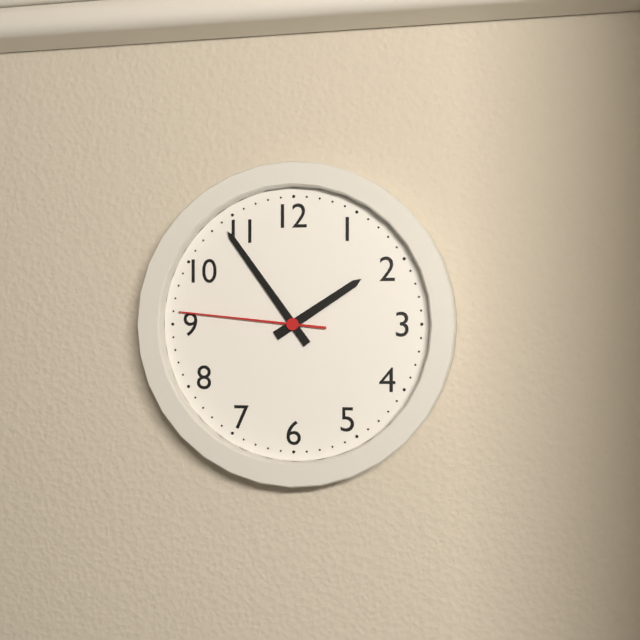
1,54,46
